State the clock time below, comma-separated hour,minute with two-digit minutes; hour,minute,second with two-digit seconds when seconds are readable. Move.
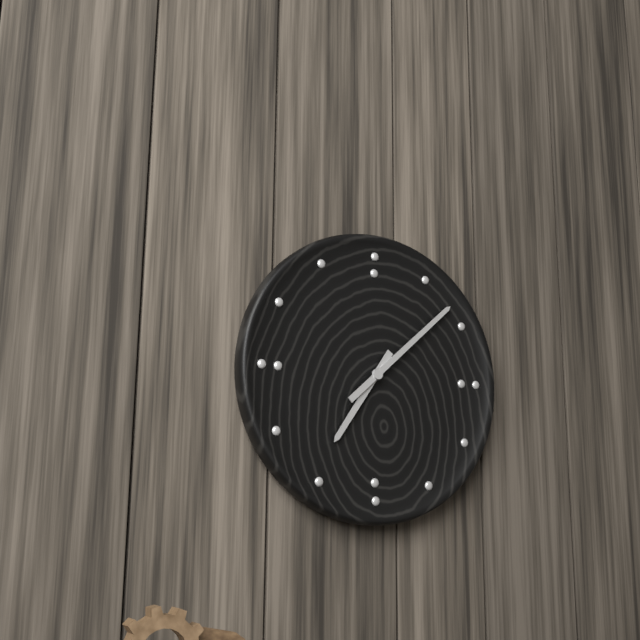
7,08
